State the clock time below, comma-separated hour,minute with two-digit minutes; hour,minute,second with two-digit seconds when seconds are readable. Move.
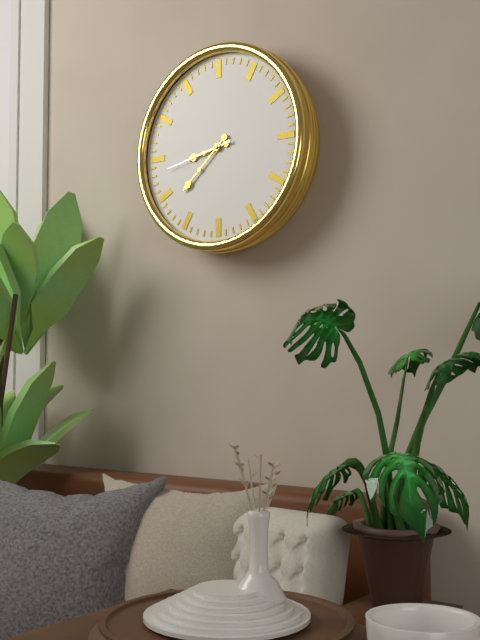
8,38,43
